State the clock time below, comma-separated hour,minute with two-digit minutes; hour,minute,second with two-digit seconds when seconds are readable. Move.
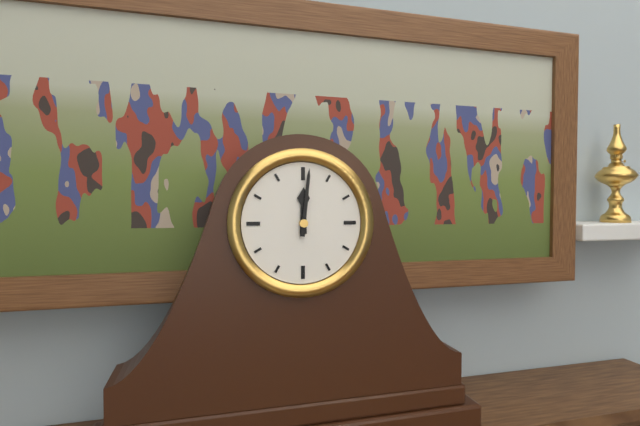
12,01
